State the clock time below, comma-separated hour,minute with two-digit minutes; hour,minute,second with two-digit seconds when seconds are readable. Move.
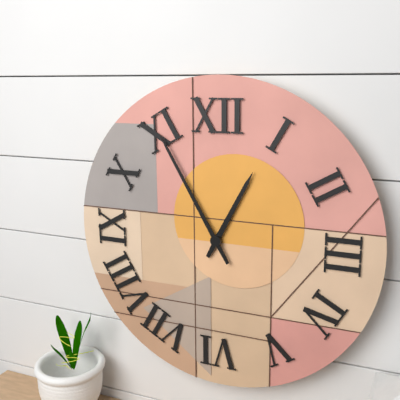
12,55
